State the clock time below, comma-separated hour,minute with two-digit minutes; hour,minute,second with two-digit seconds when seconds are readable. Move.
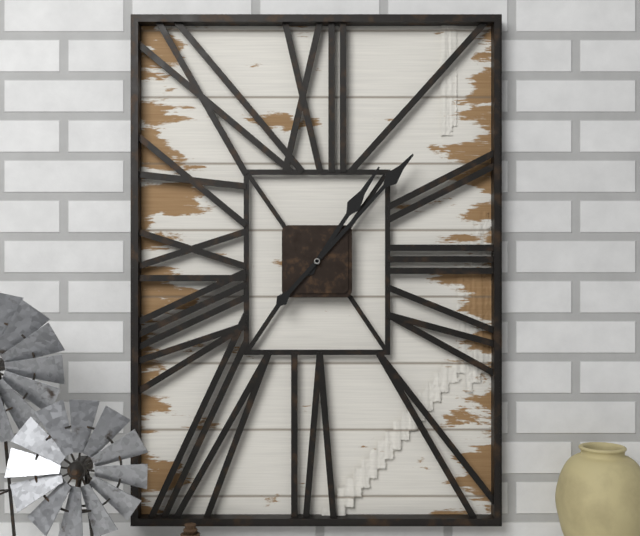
1,07
